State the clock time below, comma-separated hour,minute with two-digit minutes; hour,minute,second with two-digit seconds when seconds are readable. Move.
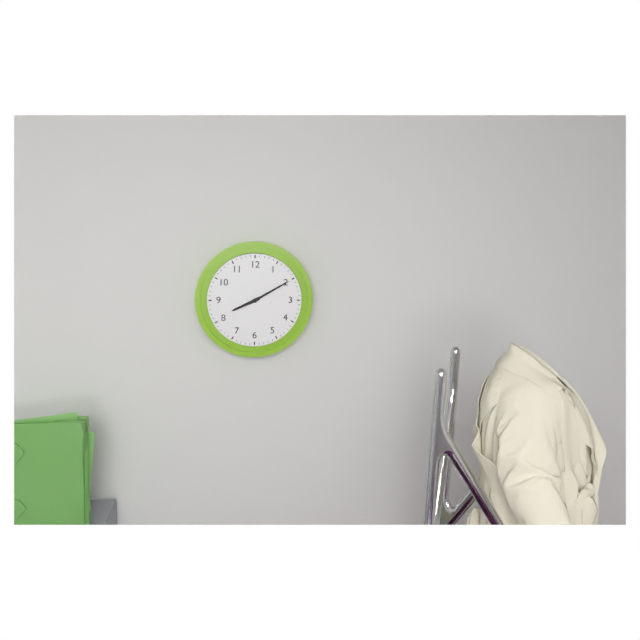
8,10
